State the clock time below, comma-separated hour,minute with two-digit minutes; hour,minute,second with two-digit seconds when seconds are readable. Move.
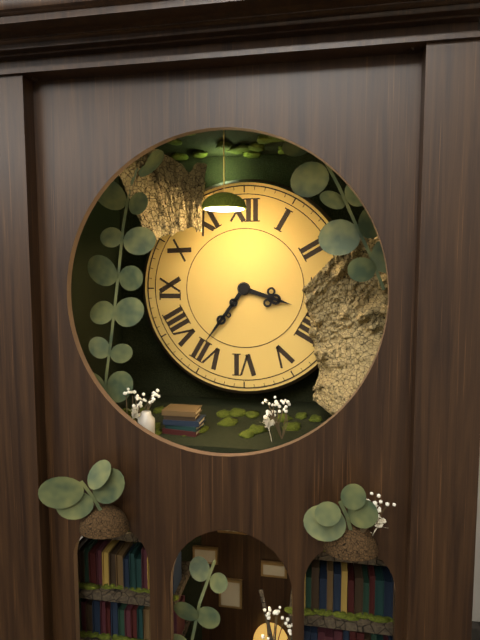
3,36
